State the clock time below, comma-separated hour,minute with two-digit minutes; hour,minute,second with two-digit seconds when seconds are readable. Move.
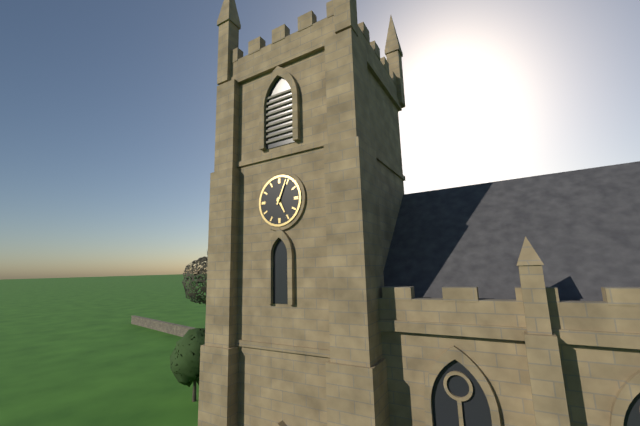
5,04
